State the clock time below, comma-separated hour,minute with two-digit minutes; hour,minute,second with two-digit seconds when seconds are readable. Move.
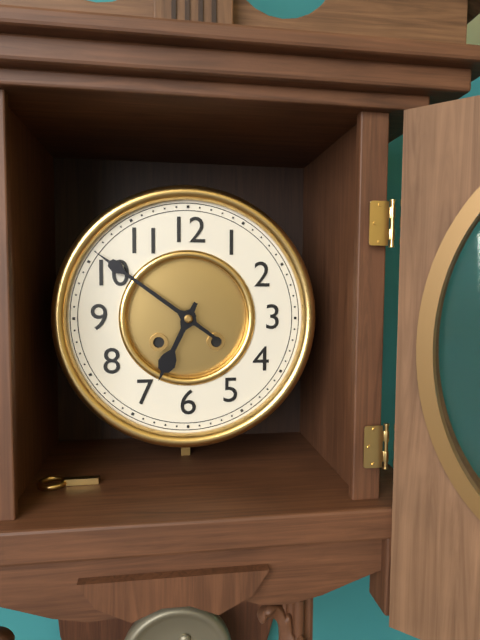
6,51
